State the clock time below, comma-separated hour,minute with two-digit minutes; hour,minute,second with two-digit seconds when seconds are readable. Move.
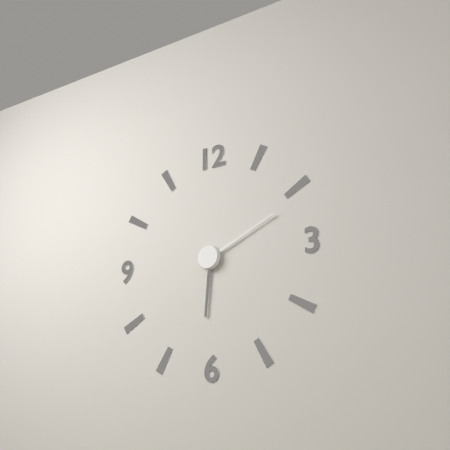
6,11
